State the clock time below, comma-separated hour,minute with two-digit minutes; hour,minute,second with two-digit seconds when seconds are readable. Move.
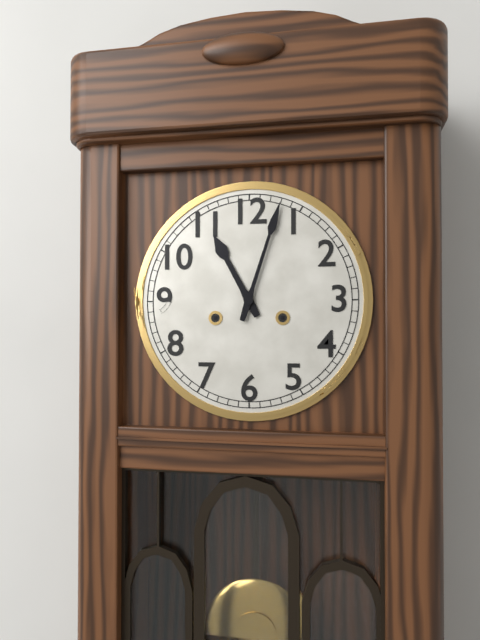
11,03
